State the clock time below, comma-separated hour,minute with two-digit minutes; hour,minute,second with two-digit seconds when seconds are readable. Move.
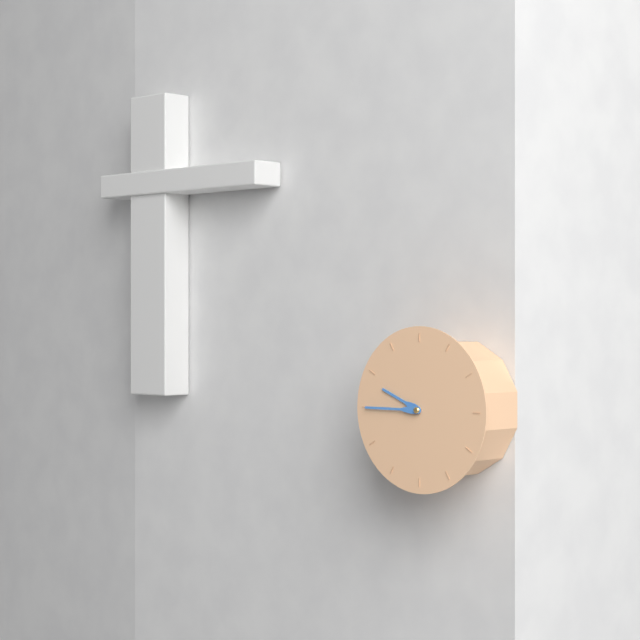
9,45
